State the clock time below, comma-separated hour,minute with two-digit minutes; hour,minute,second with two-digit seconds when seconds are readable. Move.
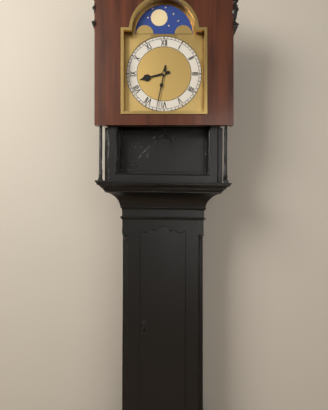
8,32
